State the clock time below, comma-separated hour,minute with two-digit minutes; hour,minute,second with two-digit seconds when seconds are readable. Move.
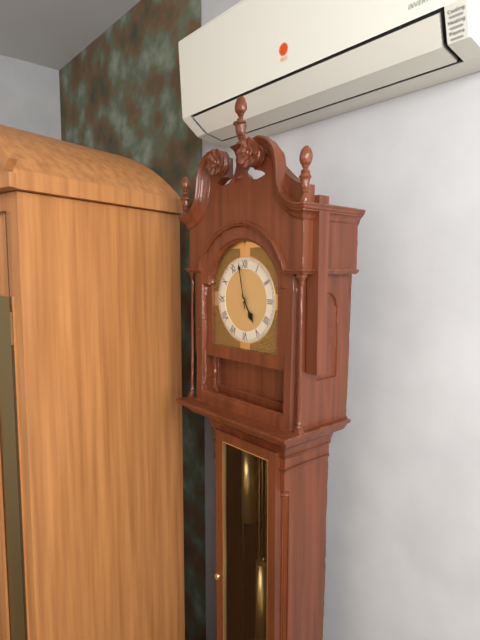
4,58
